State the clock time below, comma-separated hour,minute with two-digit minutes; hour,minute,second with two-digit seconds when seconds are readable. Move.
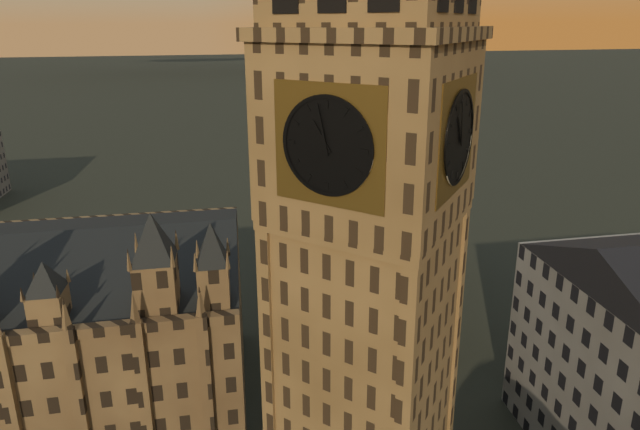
10,58
